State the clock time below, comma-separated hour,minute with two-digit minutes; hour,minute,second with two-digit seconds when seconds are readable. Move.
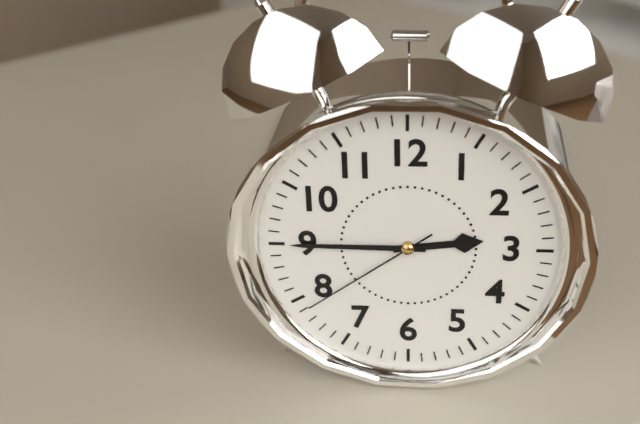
2,45,39
